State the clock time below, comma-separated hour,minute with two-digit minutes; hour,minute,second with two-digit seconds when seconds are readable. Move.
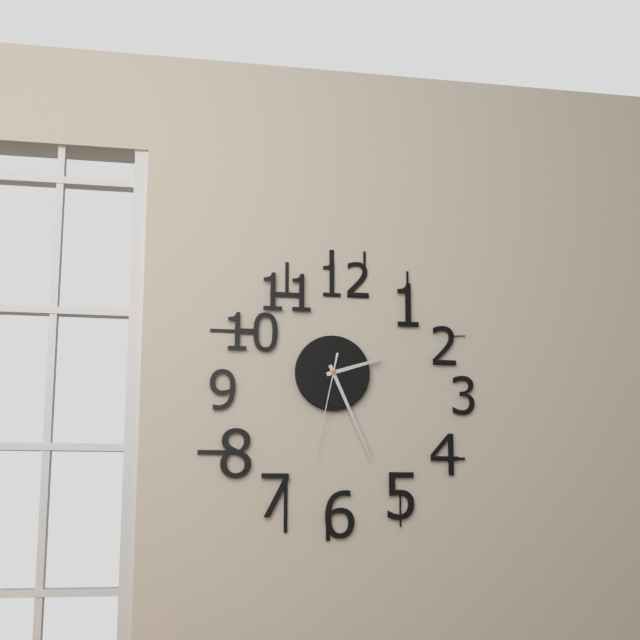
2,26,32
